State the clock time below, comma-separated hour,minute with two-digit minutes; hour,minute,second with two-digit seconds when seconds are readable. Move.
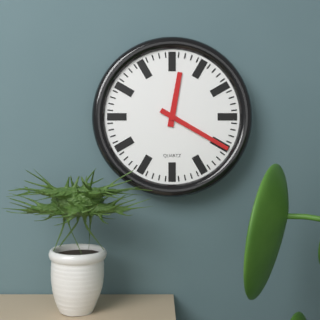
12,20
